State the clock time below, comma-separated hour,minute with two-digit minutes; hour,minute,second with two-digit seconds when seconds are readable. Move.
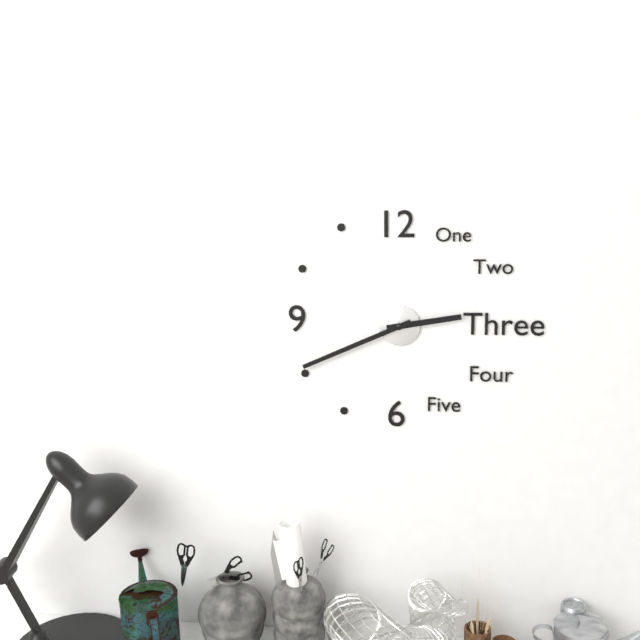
2,41
